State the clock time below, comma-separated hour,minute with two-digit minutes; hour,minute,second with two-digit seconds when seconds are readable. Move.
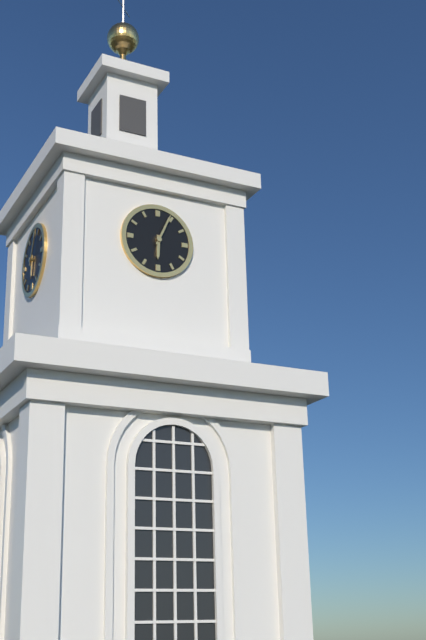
6,04
